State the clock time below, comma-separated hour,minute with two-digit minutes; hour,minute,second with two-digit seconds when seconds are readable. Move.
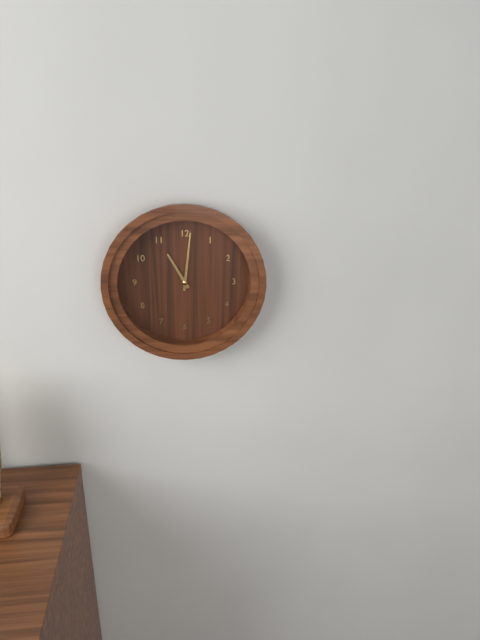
11,01
